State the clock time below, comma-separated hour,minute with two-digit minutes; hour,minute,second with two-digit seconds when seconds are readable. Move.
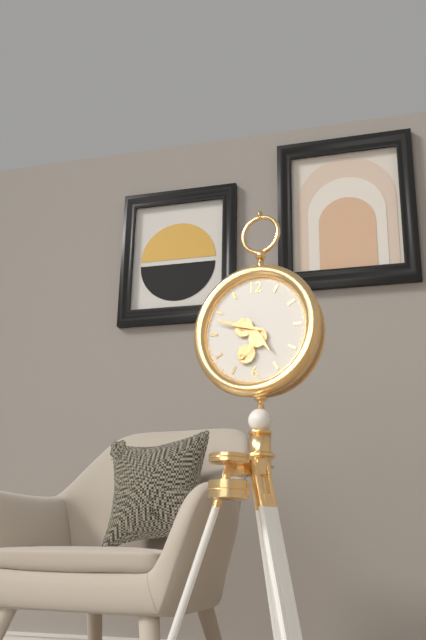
4,48
